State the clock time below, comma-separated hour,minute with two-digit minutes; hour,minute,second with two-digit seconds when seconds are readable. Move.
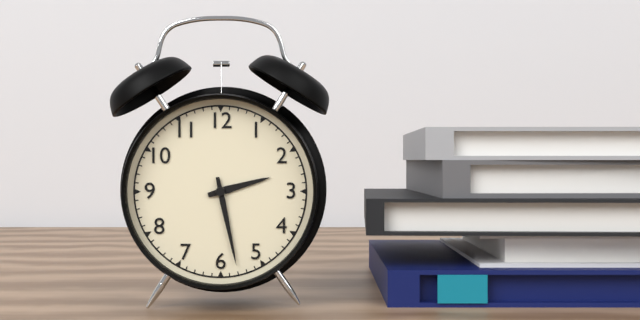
2,28
